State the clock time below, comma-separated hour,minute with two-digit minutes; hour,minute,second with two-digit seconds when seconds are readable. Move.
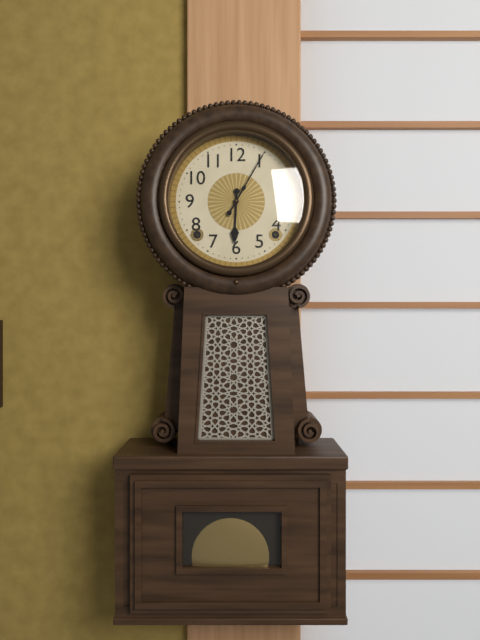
6,05
